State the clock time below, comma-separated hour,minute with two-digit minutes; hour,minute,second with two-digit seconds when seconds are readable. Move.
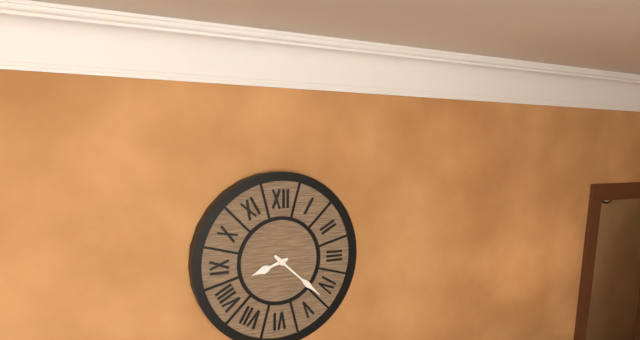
8,22
